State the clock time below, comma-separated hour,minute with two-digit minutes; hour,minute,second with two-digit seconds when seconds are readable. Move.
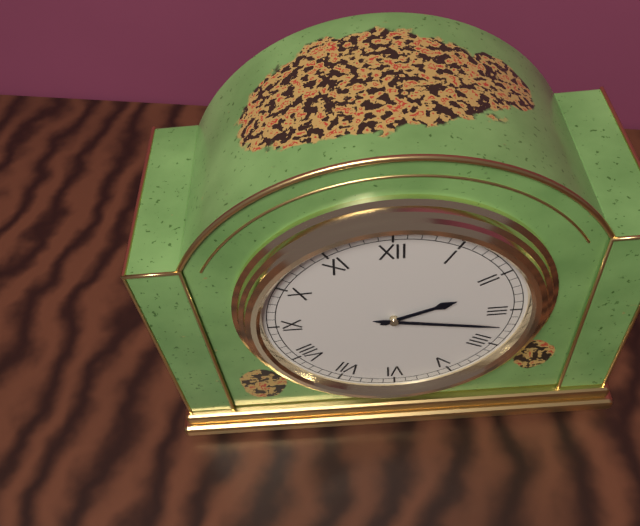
2,17
